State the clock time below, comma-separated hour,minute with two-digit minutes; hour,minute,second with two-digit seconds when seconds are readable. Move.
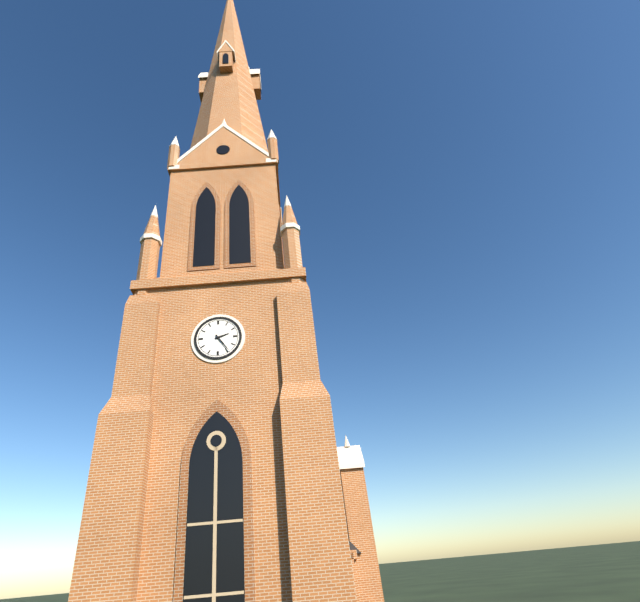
2,24
